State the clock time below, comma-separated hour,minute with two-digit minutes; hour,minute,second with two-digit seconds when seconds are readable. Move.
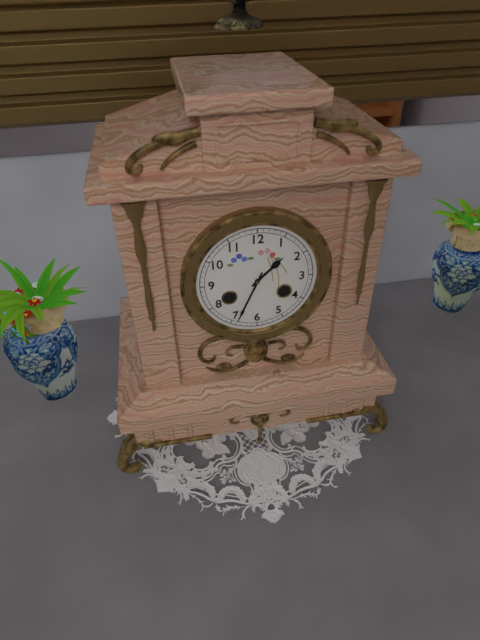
1,34
